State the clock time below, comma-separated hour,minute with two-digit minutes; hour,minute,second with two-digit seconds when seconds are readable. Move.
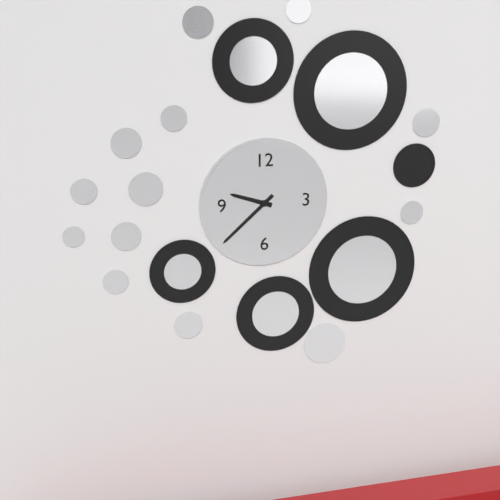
9,38
